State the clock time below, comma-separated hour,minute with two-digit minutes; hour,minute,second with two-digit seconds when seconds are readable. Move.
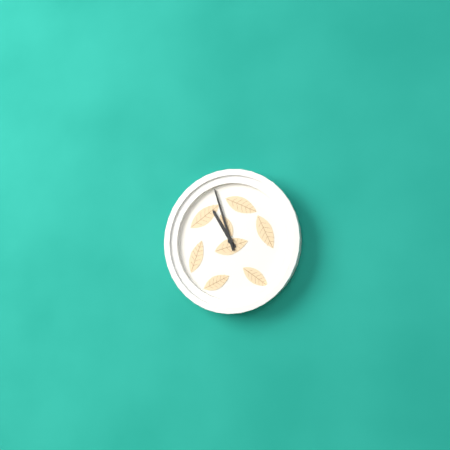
10,57
